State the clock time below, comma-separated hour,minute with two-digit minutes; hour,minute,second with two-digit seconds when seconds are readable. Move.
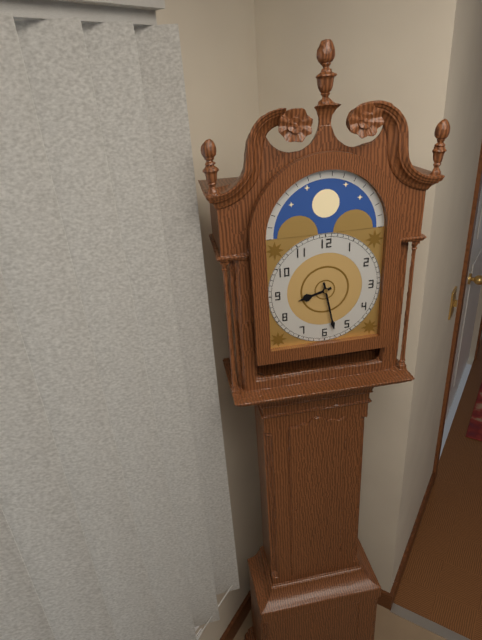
8,28
